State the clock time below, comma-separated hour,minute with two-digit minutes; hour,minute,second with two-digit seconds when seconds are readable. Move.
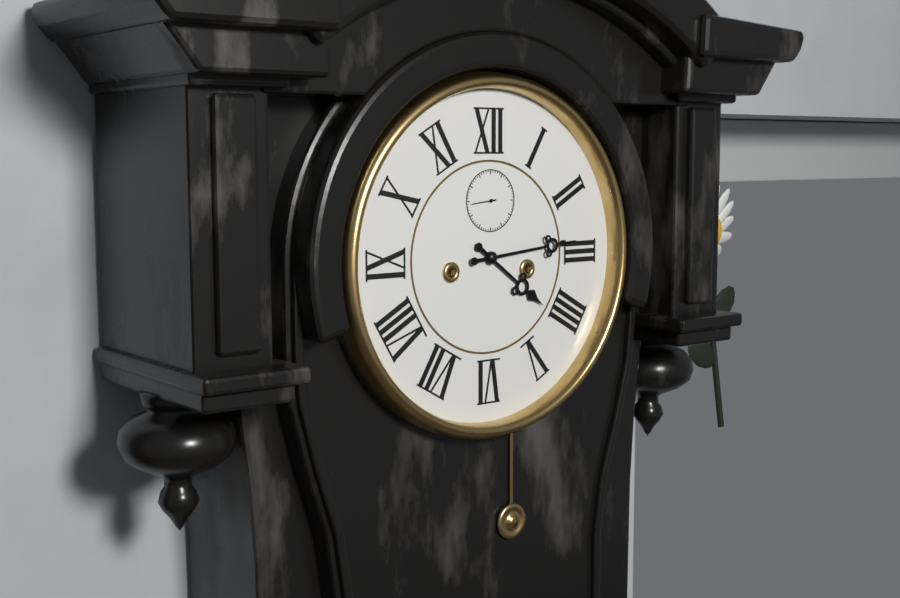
4,14
